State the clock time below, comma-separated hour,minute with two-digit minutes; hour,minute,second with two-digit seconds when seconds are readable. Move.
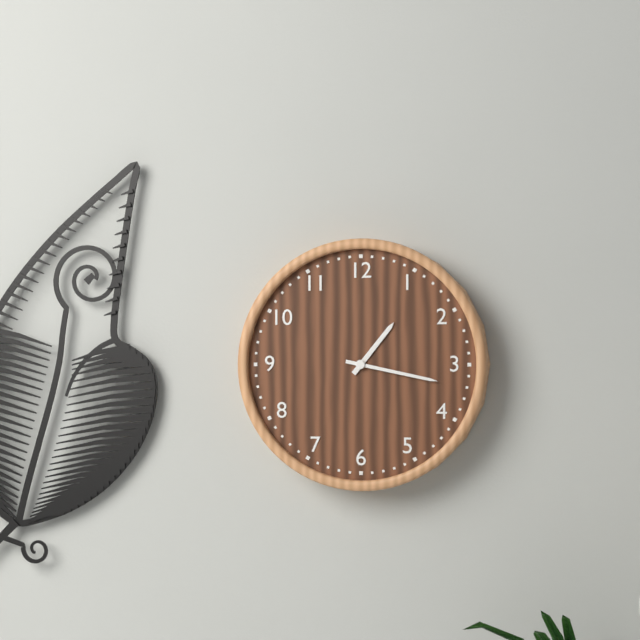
1,17
